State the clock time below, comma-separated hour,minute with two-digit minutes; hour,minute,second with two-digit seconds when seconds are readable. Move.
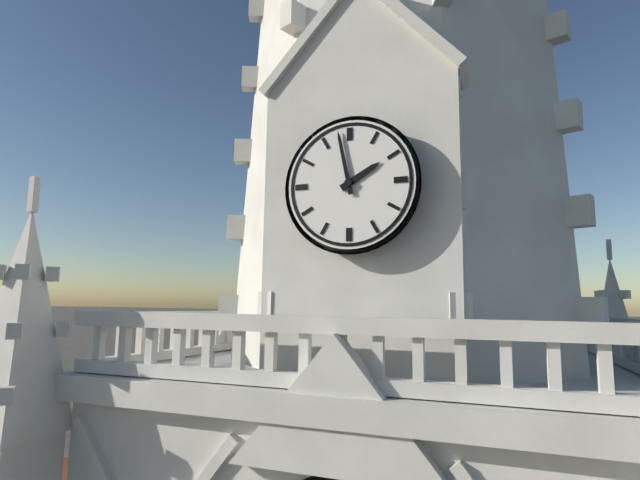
1,58
